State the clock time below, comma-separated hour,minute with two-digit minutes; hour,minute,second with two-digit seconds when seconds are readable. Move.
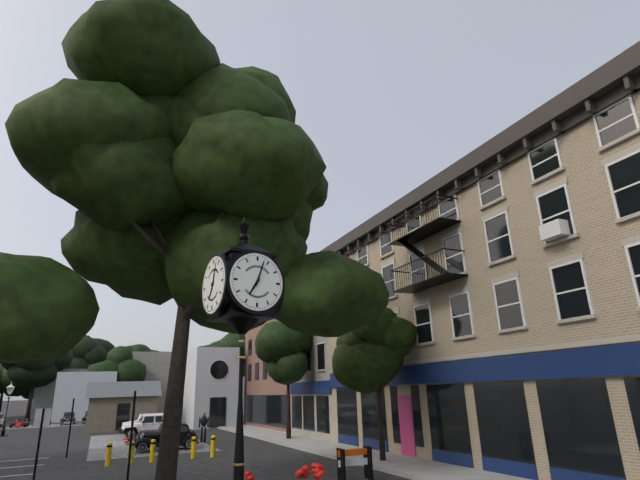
7,03
